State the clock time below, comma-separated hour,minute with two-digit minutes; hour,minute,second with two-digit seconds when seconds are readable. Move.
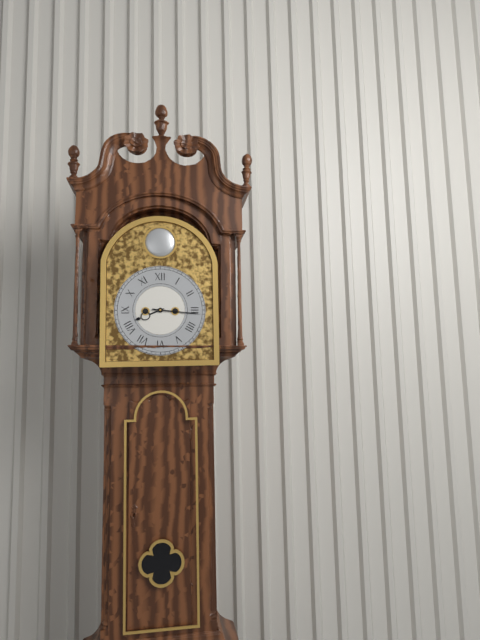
8,16
